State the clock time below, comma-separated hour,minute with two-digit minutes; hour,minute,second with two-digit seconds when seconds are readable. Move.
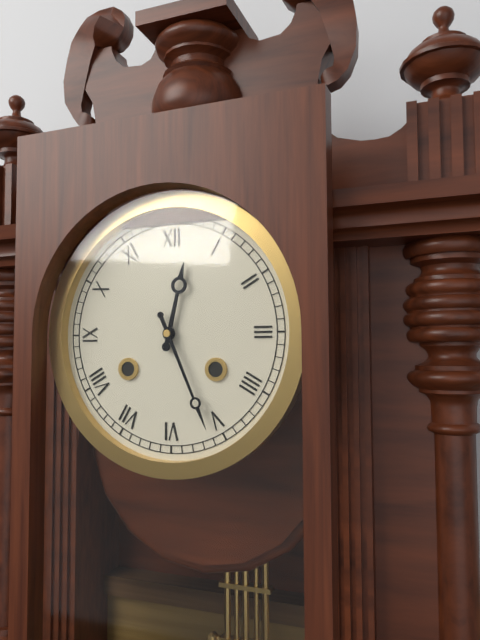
12,26
